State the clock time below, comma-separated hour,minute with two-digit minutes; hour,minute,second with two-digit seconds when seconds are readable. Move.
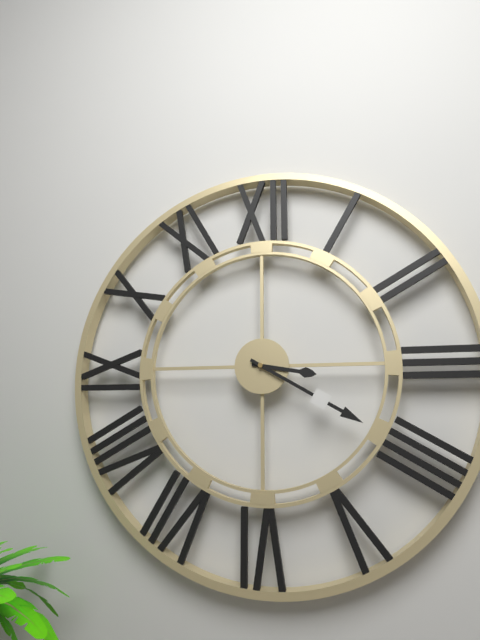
3,20
